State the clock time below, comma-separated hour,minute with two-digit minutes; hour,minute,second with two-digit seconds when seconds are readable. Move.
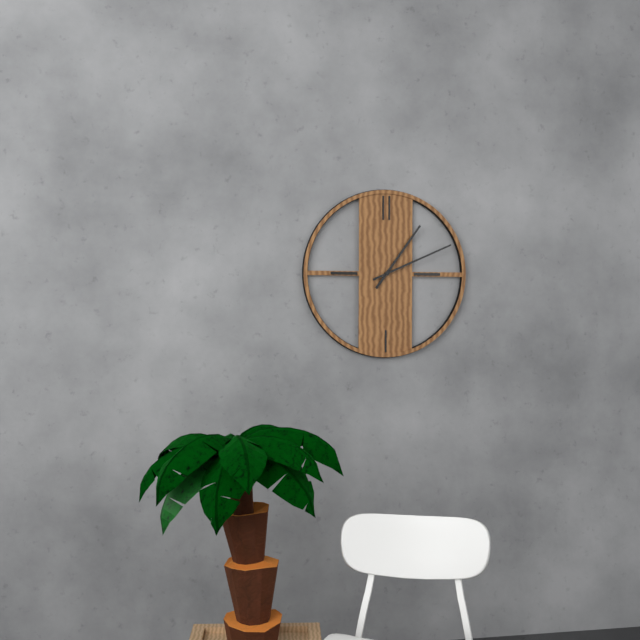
1,11
